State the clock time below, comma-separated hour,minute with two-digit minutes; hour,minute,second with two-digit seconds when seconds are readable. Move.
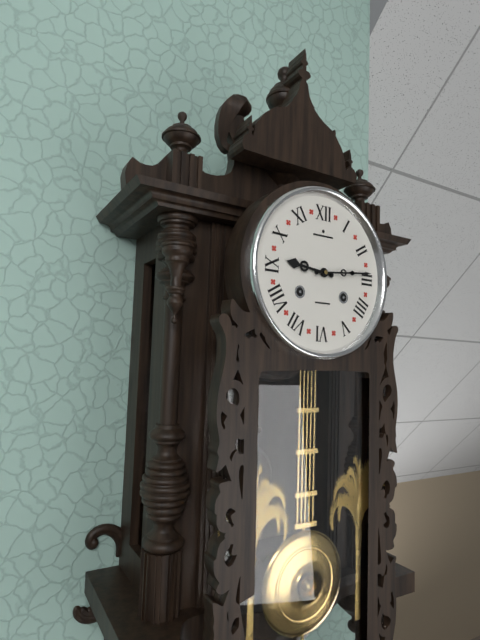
9,14
